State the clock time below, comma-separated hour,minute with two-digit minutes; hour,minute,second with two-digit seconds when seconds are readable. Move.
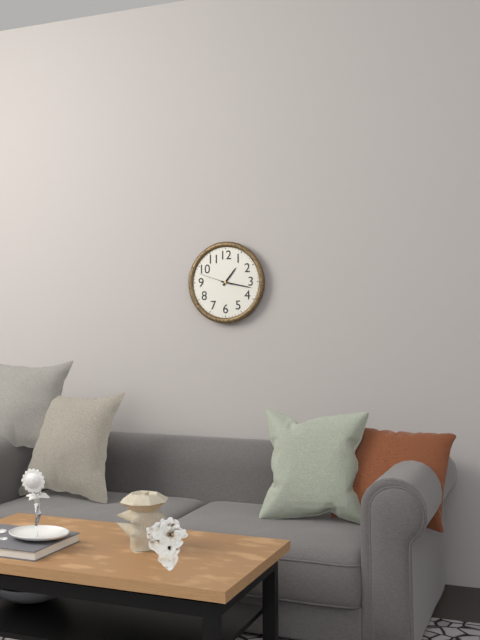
1,17
